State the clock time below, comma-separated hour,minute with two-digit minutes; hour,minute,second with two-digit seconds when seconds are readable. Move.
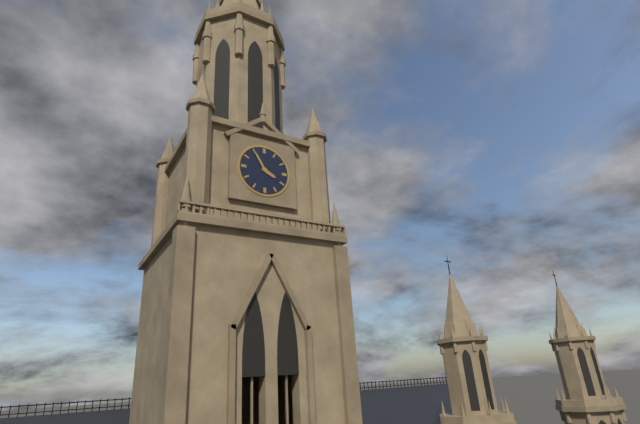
3,55
